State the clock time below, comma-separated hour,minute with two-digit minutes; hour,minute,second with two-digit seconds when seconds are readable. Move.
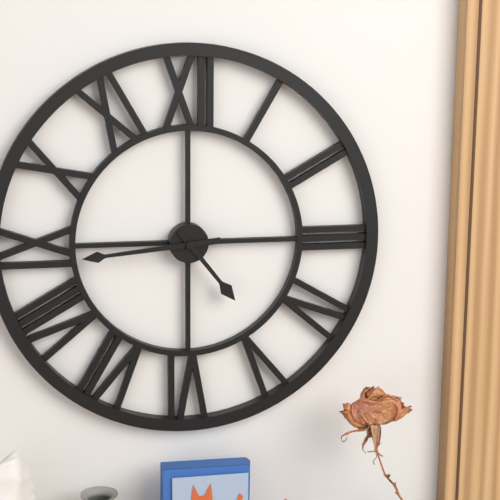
4,44
